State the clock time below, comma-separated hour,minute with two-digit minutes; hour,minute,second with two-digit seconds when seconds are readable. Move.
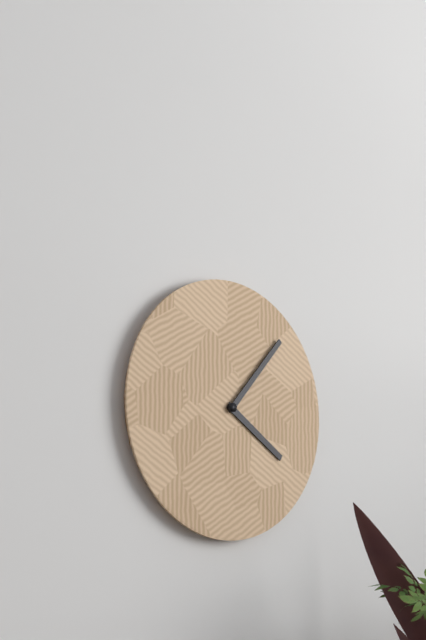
4,07
